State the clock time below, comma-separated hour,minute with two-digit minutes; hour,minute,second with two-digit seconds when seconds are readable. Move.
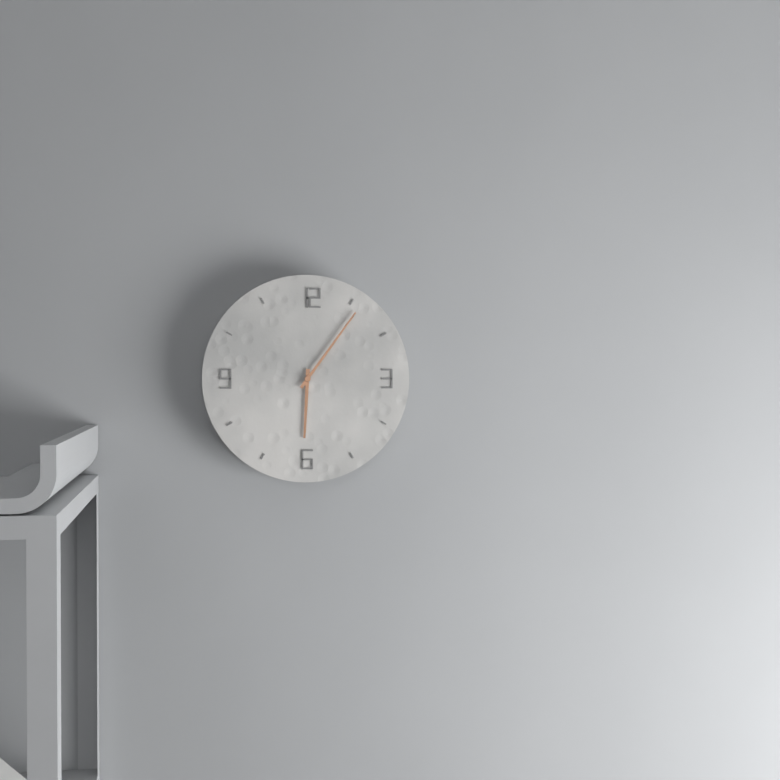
6,06
